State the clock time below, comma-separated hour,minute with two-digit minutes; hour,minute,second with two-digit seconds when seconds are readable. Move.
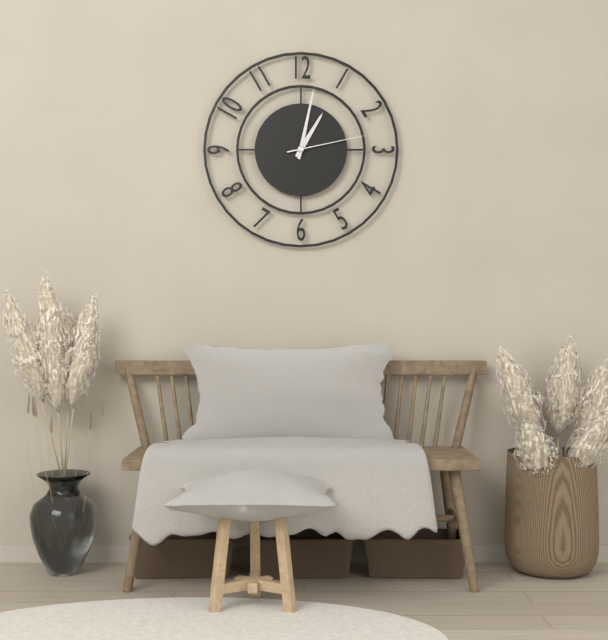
1,02,13
